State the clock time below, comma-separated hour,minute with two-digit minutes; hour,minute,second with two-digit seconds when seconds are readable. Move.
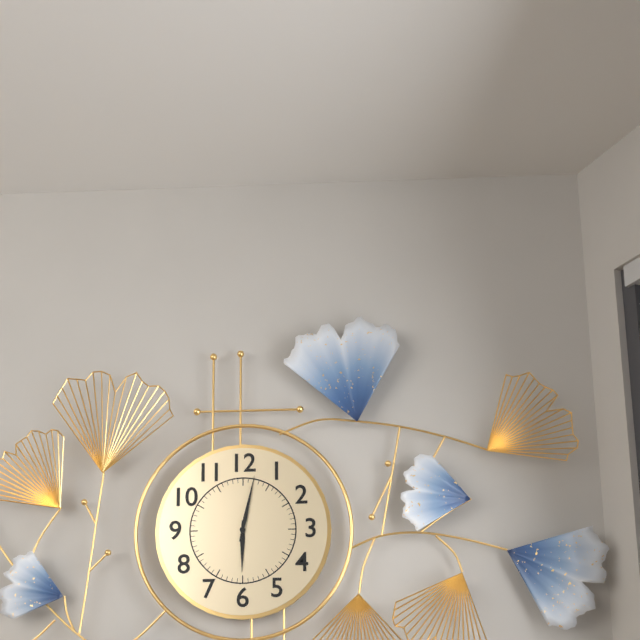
6,02
